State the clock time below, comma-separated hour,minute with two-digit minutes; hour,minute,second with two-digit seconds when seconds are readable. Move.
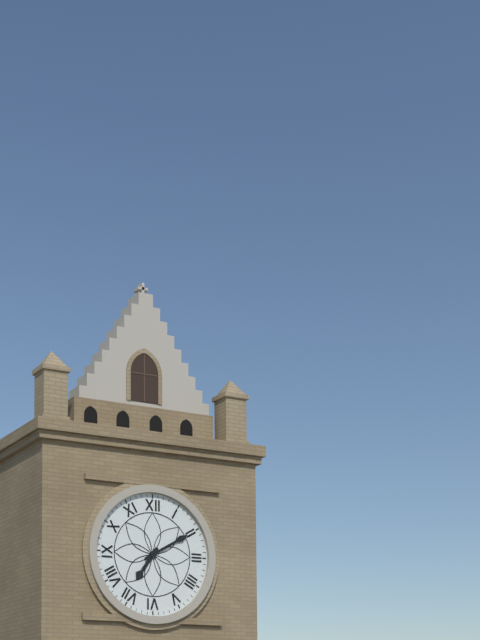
7,10
